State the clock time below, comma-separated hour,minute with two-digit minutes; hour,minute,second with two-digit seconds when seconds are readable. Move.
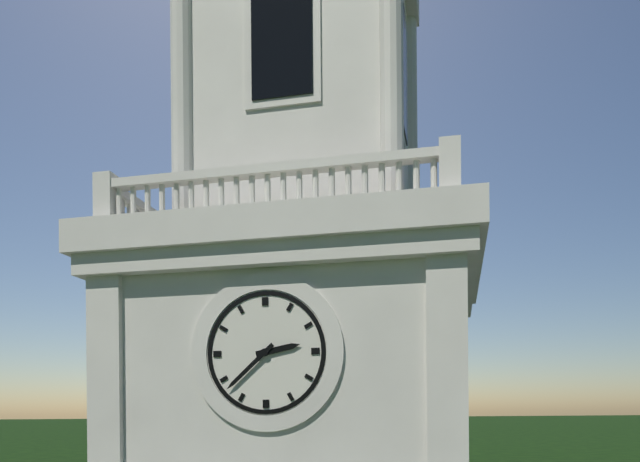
2,38
